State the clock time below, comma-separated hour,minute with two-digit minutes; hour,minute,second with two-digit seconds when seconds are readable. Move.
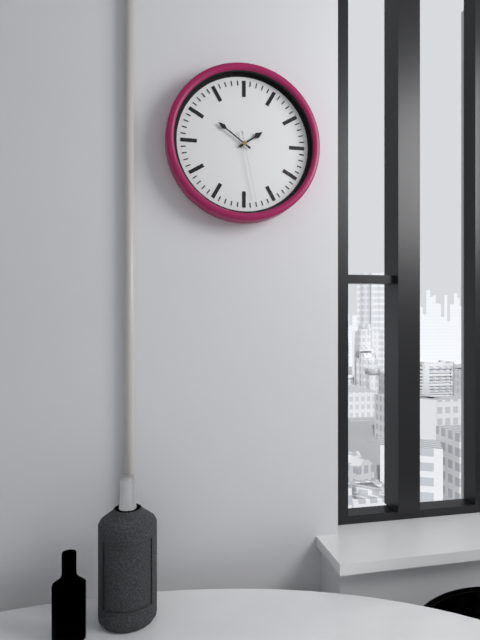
1,51,28
